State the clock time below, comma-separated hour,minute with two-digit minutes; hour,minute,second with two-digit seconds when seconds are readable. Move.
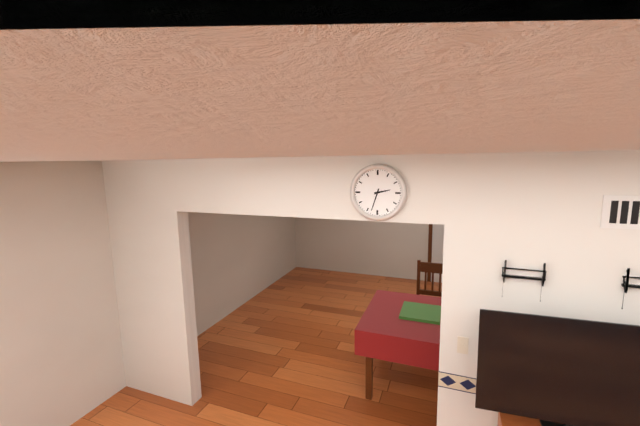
2,33
